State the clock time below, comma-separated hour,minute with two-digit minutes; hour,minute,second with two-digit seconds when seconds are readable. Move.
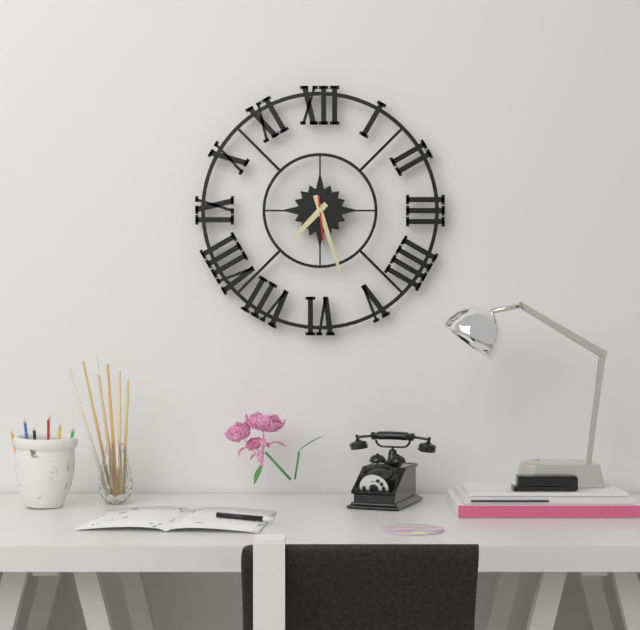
7,27
